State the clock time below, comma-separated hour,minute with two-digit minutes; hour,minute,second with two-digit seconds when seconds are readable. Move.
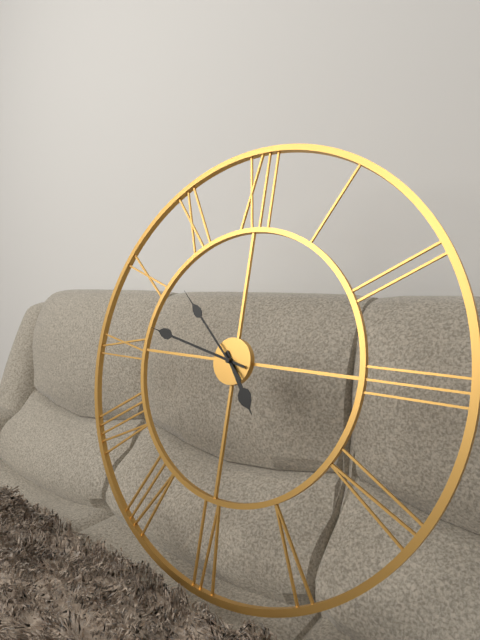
4,47,52
